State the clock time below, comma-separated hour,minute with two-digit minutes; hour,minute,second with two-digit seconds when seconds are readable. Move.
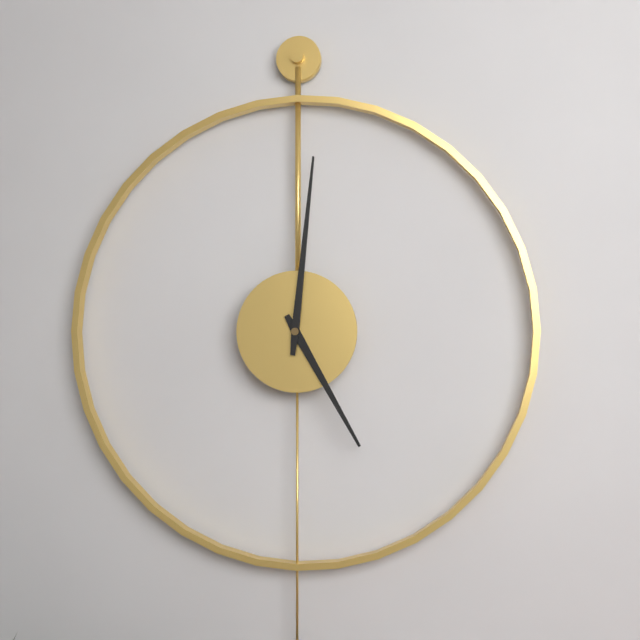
5,01
